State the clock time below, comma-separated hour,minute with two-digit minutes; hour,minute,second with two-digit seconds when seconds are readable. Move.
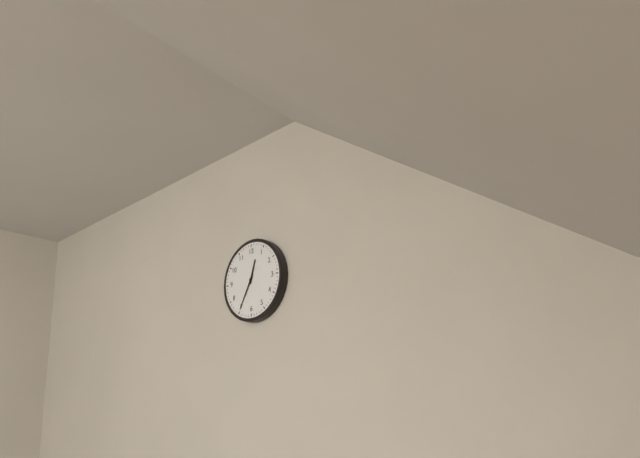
12,35
